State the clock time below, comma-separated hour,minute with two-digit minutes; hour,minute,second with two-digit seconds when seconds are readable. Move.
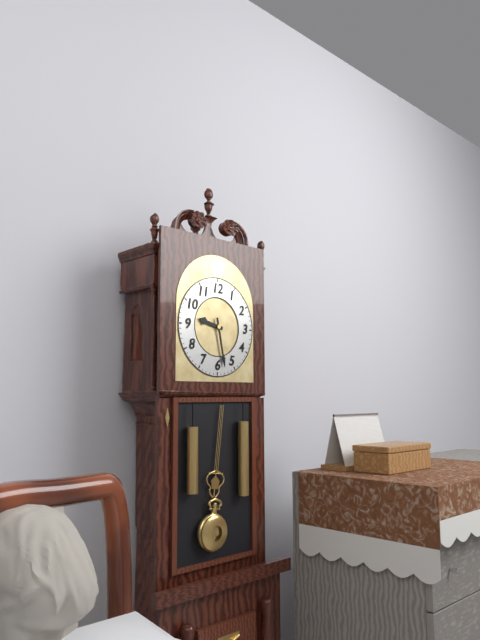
9,28
